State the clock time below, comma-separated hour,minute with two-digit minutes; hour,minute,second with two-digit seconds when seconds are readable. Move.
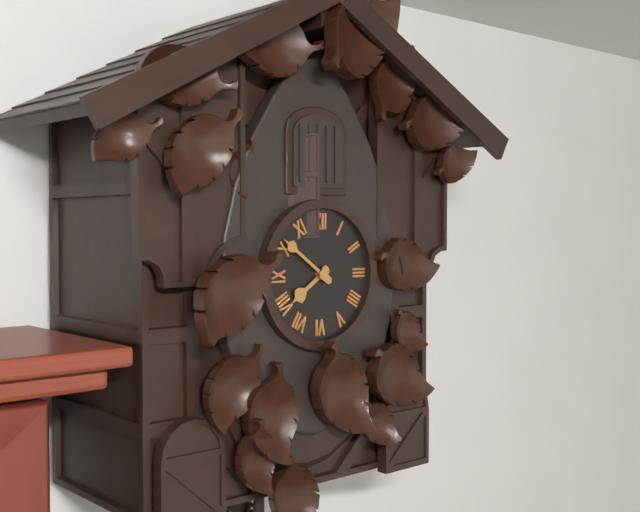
7,51
